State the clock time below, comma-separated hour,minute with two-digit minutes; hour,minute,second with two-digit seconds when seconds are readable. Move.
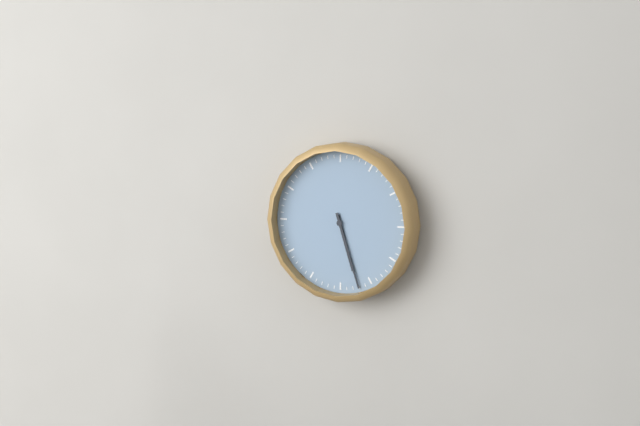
5,27
